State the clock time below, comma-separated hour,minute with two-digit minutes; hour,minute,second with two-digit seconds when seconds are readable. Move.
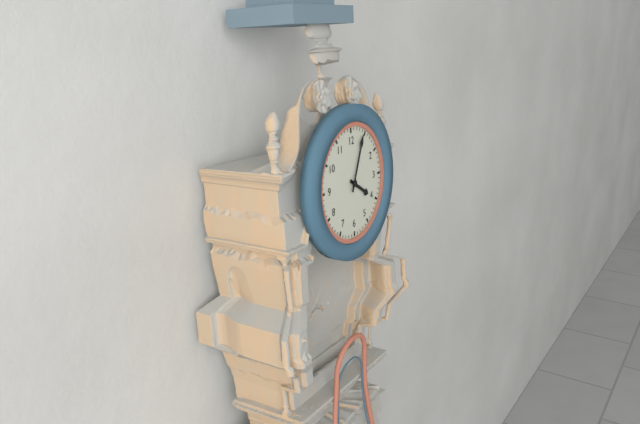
4,04
